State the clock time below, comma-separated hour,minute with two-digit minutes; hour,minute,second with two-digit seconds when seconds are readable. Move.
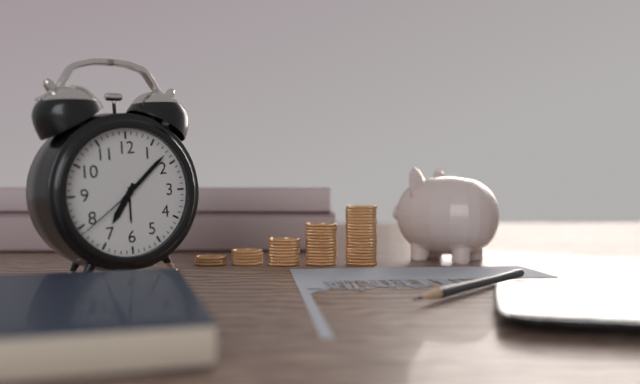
7,08,39
